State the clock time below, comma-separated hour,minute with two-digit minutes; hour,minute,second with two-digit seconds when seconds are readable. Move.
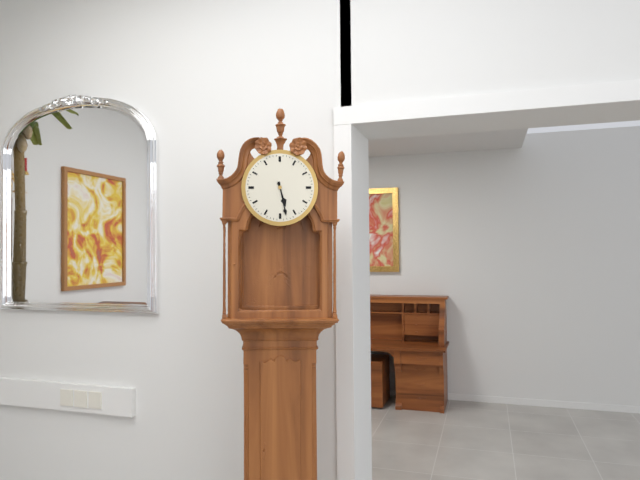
5,28
